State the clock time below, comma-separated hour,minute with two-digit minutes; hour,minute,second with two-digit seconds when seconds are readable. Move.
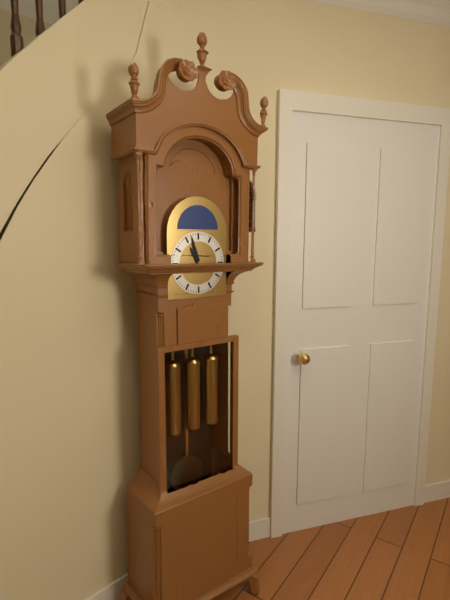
10,57
